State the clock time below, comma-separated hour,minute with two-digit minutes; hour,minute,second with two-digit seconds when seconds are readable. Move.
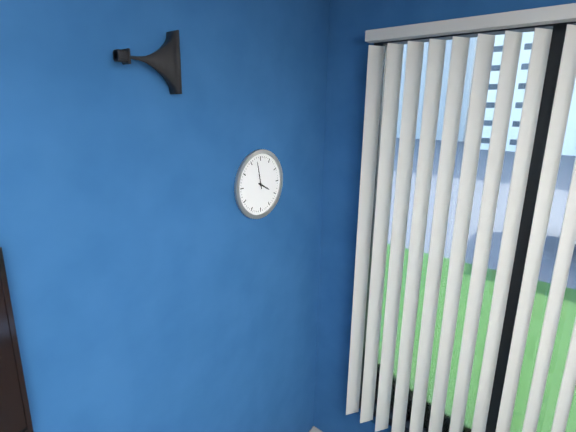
3,58
